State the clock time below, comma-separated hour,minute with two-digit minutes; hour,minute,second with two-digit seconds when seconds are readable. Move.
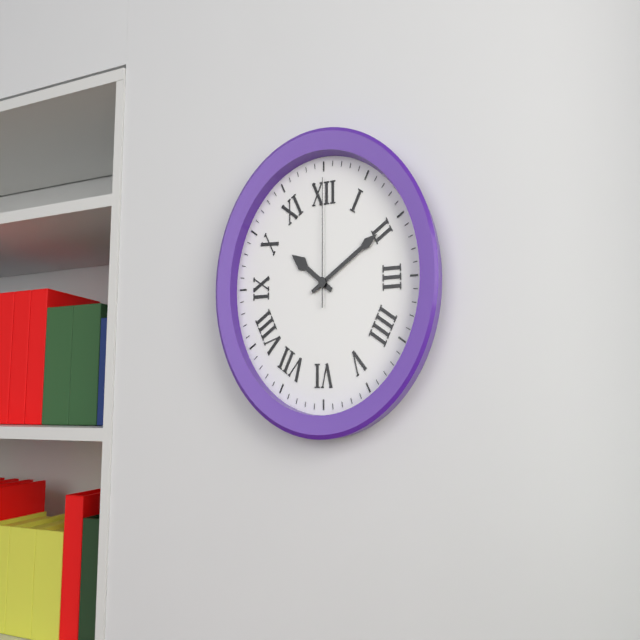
10,10,00
